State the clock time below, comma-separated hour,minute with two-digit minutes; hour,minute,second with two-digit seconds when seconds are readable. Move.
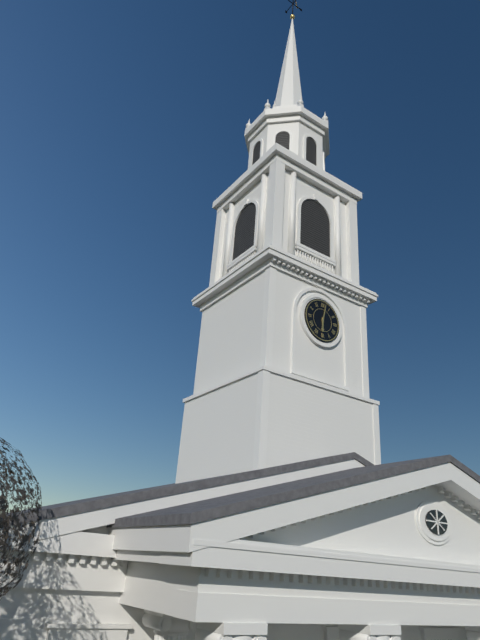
6,02
